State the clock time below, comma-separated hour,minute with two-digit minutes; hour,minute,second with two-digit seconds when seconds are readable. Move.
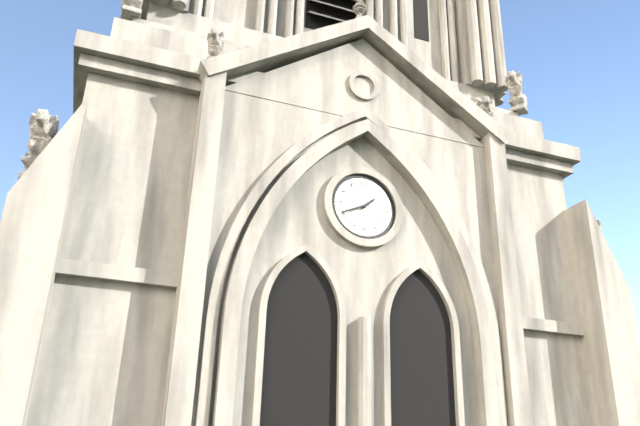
1,41
